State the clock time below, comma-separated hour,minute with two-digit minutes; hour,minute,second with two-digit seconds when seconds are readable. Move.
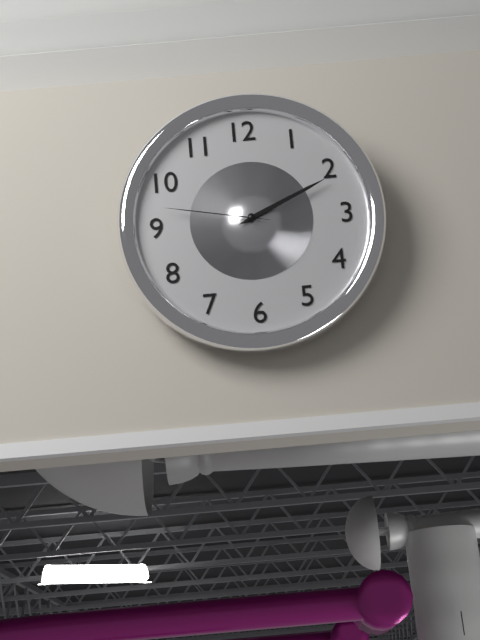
2,11,47
